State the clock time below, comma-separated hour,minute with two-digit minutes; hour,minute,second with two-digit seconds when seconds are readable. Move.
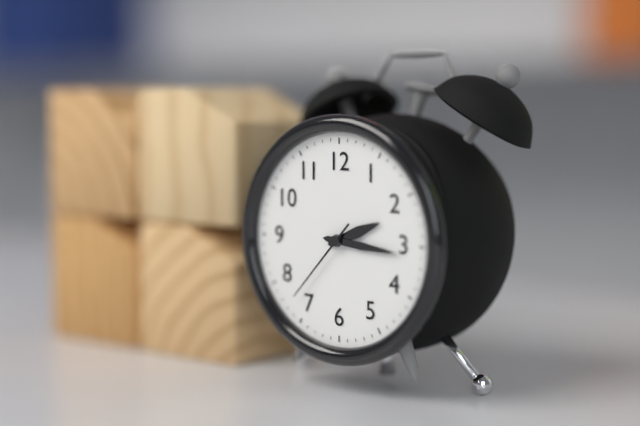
2,16,37
